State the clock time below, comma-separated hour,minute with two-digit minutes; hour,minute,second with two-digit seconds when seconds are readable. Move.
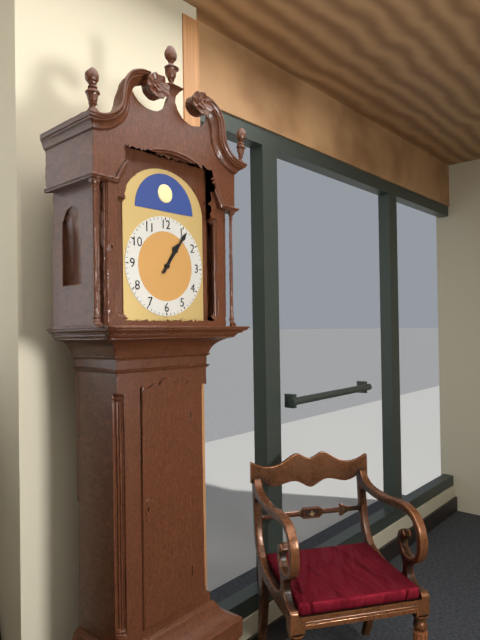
1,06
